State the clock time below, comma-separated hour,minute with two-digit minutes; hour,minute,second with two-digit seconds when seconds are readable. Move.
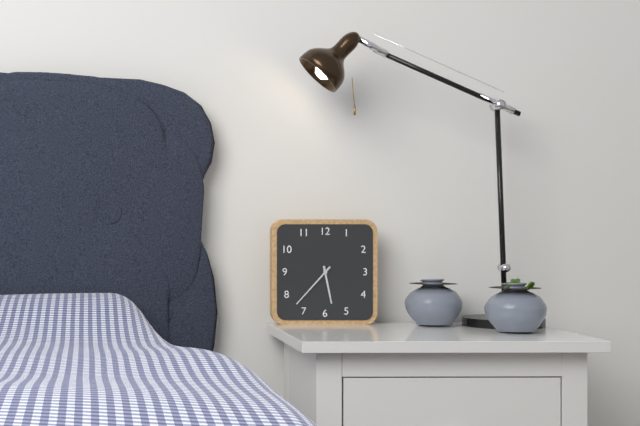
5,37
